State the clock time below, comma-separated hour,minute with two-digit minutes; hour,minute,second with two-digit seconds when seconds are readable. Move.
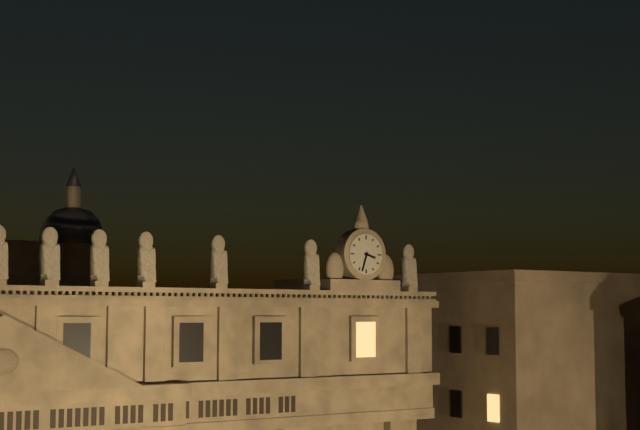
3,33
